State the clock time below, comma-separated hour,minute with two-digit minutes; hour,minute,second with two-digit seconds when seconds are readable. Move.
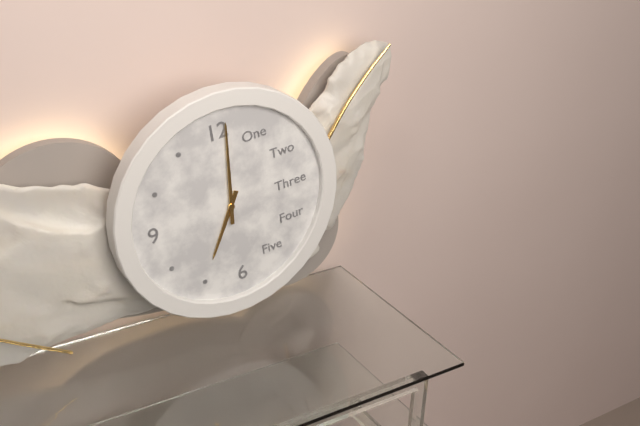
7,01
